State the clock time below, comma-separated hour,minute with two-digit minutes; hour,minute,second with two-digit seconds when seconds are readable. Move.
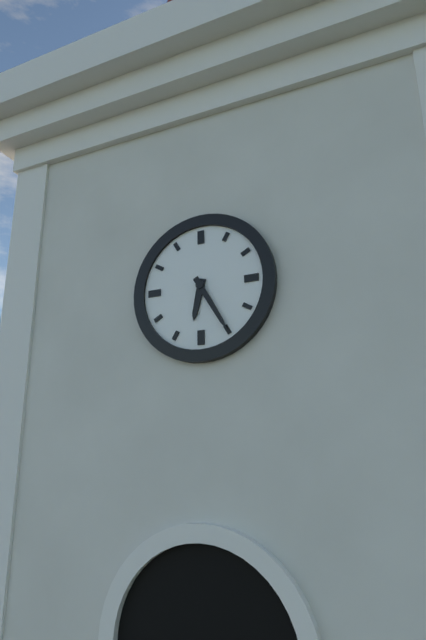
6,25
